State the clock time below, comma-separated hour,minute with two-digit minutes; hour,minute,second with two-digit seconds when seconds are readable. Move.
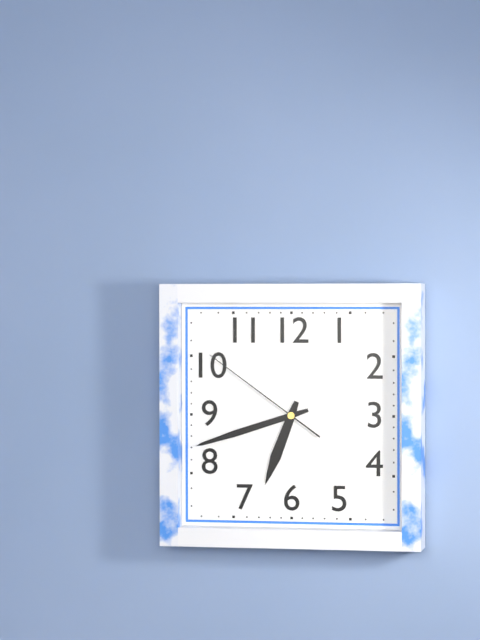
6,42,51
